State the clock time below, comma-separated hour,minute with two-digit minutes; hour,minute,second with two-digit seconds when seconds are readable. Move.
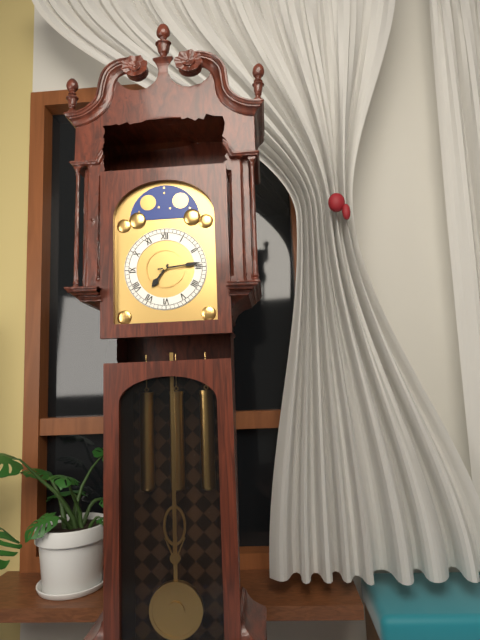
7,14
